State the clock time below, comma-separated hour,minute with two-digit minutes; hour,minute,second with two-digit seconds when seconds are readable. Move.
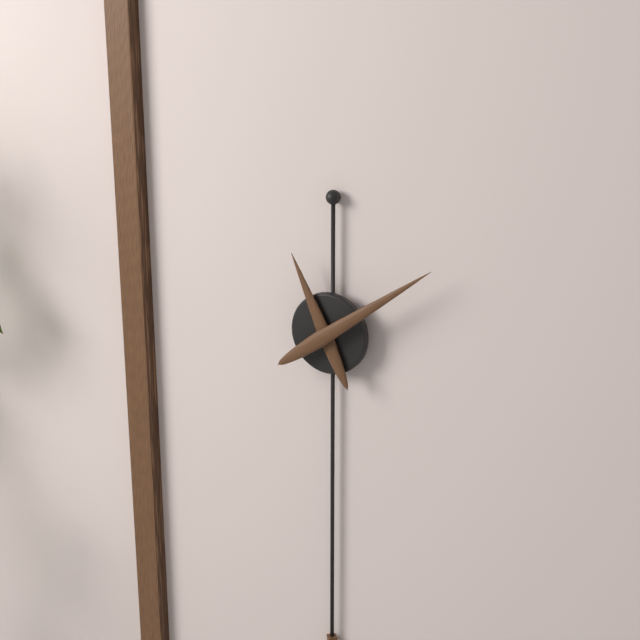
11,09
